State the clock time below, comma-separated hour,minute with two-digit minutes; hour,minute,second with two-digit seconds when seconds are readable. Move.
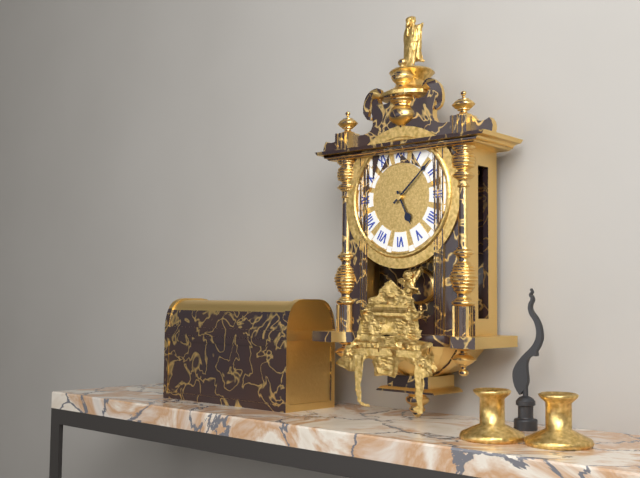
5,08
